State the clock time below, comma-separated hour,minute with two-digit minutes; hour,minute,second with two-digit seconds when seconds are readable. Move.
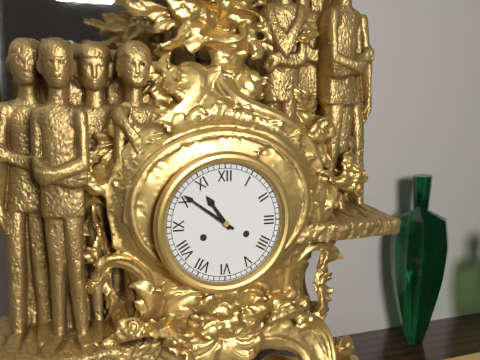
10,51
